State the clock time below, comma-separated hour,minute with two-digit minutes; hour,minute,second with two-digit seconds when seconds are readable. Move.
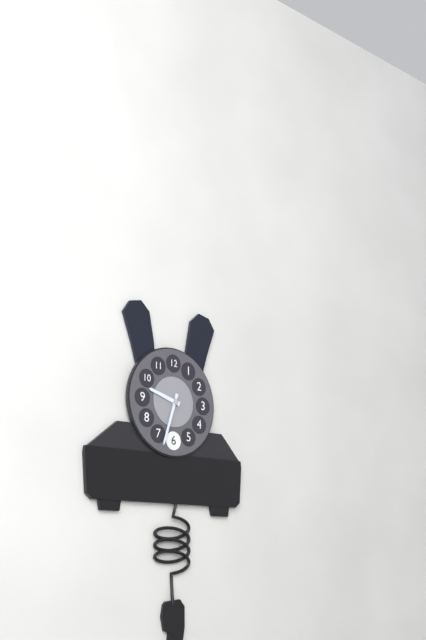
9,33
